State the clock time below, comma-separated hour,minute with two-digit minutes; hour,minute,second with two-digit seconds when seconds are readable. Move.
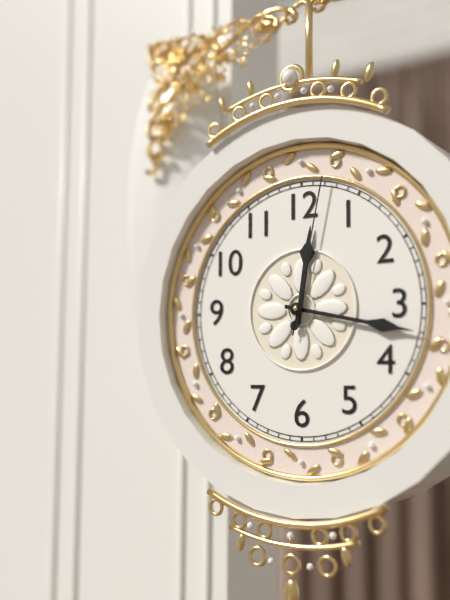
12,17,02
